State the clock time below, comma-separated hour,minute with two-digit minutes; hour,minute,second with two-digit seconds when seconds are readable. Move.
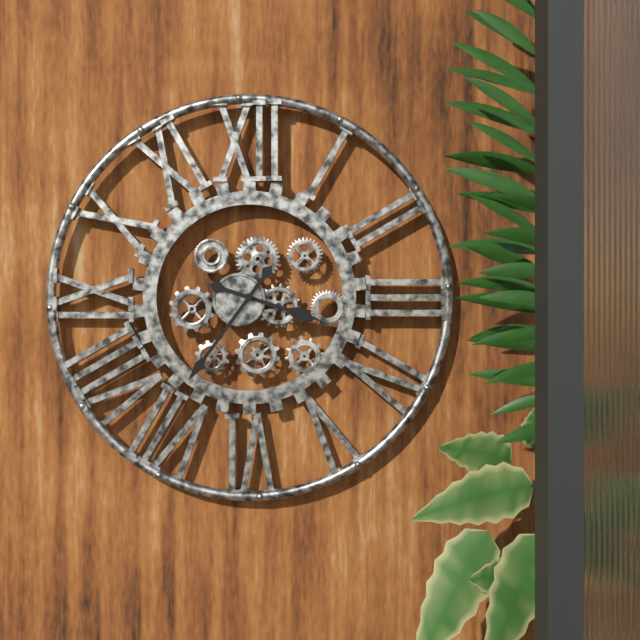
3,36
